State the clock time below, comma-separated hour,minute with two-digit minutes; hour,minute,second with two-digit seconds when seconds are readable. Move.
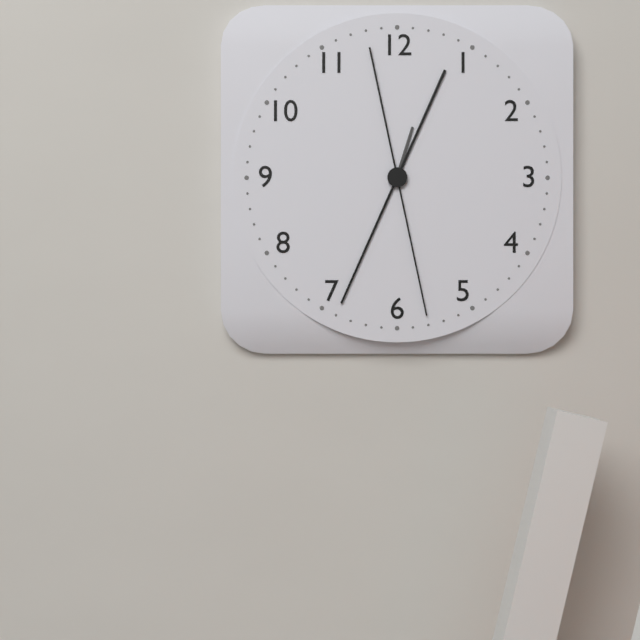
12,34,28
